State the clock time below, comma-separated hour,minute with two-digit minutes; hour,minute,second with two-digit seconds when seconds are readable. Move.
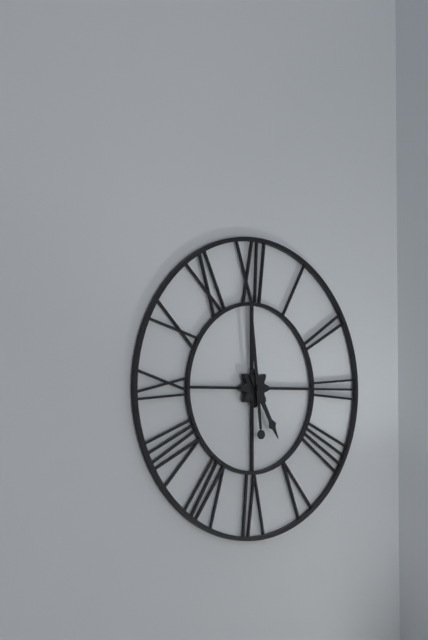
4,59
